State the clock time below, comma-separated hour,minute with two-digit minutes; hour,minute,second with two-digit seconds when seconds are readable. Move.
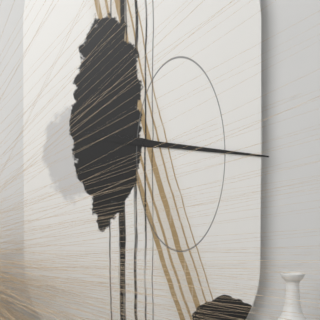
9,16
